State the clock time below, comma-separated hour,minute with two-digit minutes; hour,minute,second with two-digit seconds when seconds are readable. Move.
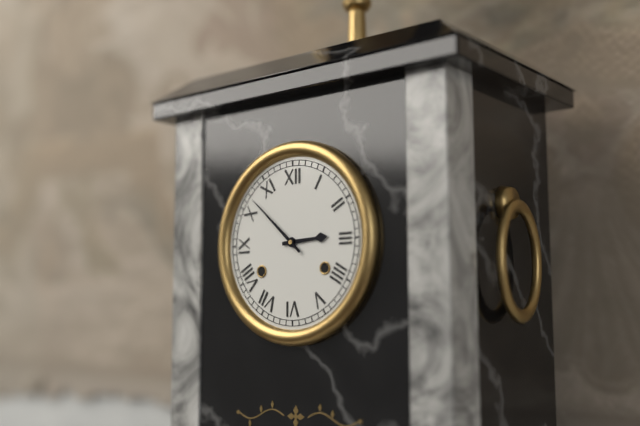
2,52
